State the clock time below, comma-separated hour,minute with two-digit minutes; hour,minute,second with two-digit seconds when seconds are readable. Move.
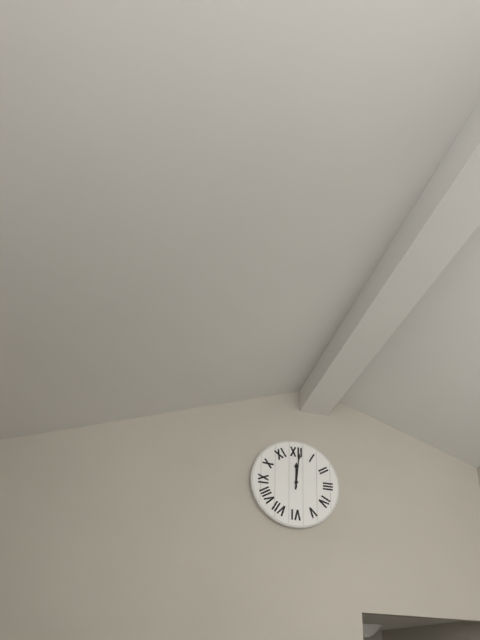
12,01
